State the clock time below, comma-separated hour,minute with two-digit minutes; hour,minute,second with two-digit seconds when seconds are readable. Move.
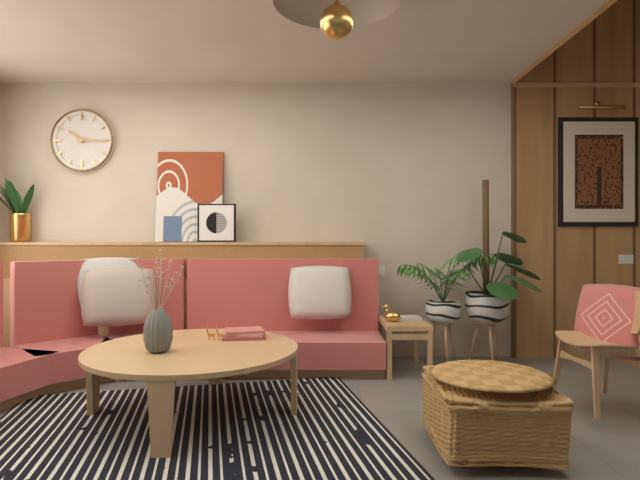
10,15
